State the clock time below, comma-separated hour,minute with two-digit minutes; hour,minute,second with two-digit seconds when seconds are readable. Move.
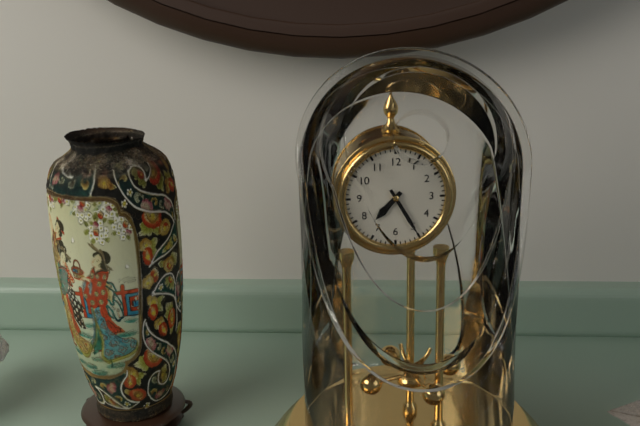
7,25
